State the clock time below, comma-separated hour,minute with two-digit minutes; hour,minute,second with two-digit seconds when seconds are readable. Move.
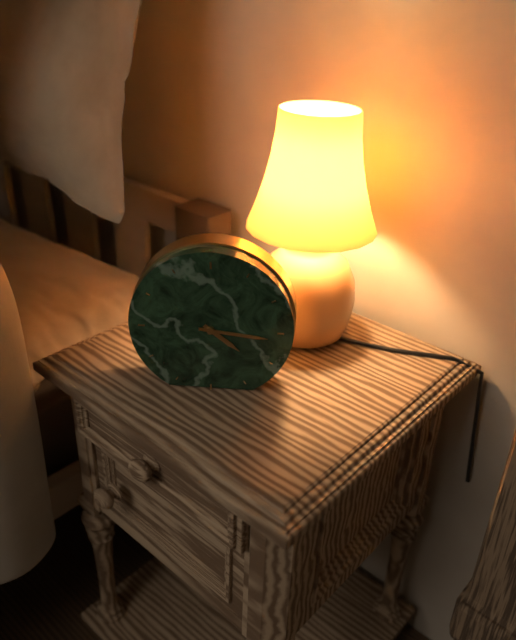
4,16
